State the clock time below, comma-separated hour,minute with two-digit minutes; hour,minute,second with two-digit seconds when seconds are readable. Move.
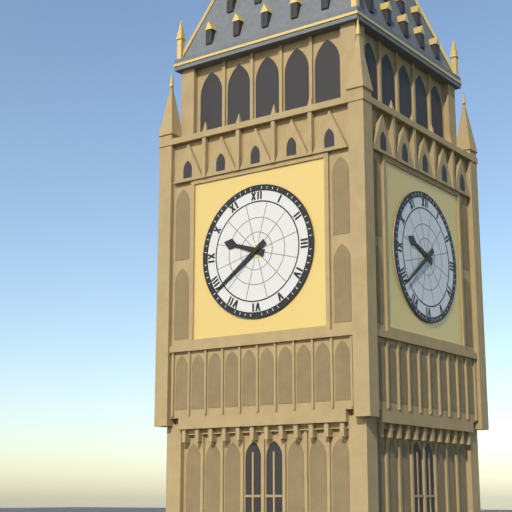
9,39
